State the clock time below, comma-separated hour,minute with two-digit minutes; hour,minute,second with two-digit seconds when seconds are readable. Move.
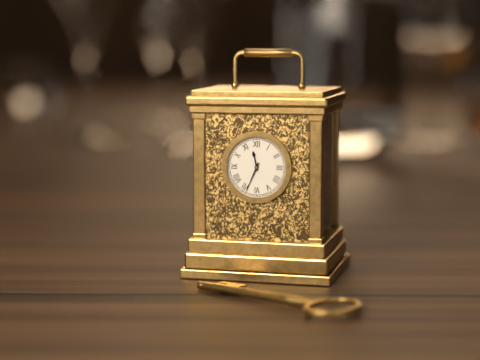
11,34
